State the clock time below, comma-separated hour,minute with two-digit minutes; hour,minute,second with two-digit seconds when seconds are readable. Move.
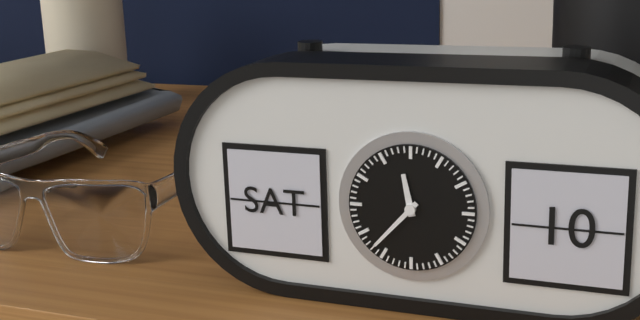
11,37
